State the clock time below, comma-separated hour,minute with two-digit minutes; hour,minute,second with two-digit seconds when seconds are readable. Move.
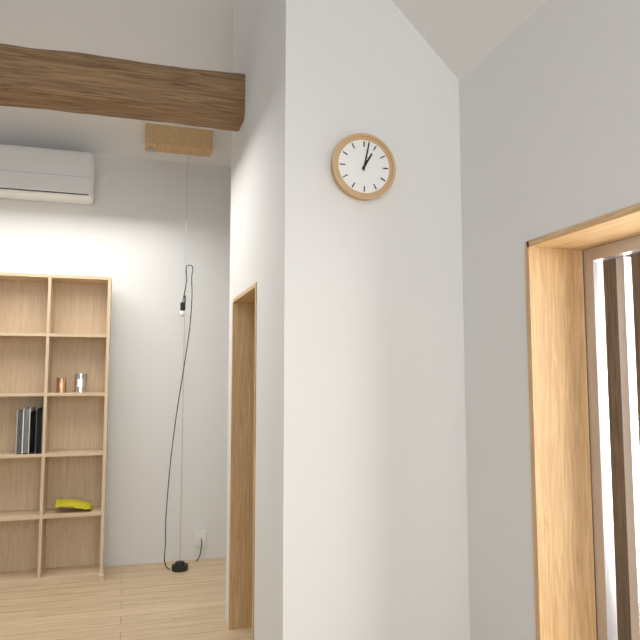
1,02
